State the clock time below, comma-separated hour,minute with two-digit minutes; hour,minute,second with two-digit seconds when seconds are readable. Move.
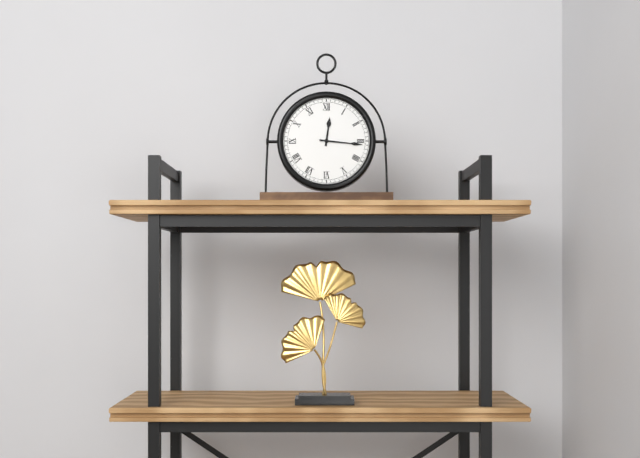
12,16
